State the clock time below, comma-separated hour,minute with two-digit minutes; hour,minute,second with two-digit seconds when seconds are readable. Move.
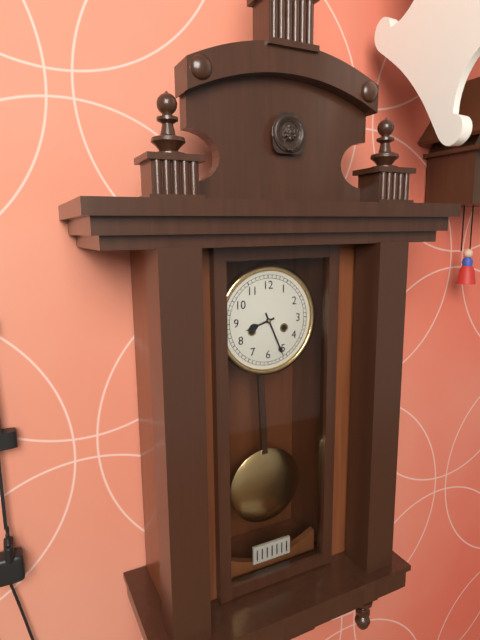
8,26
